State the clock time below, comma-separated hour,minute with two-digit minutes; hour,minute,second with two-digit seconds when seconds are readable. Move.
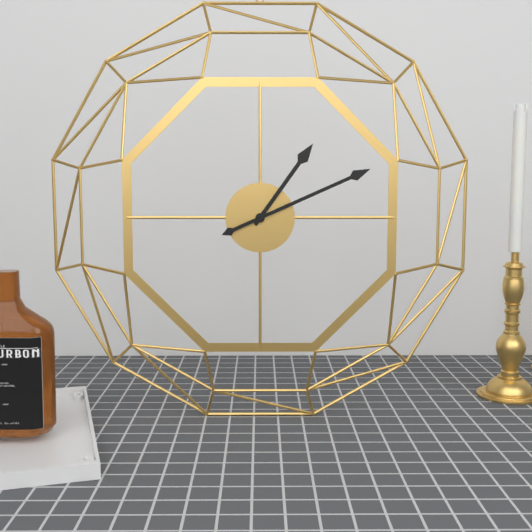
1,11
